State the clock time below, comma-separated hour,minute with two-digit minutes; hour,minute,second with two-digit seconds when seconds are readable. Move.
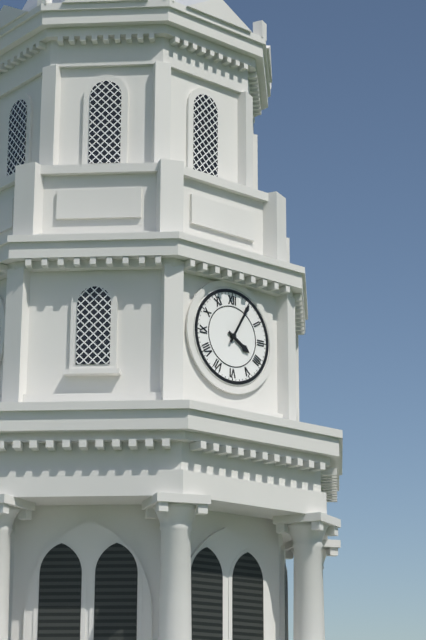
4,05
